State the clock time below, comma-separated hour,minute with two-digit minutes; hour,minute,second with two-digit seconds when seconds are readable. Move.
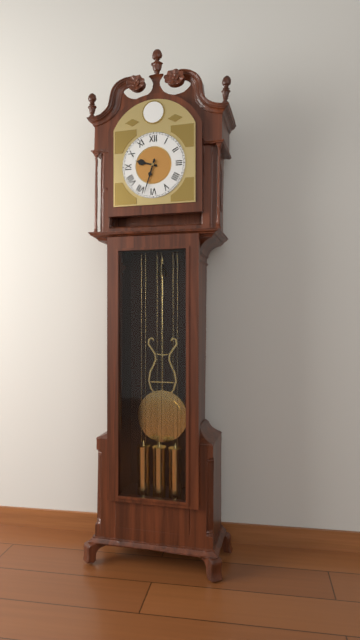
9,33
